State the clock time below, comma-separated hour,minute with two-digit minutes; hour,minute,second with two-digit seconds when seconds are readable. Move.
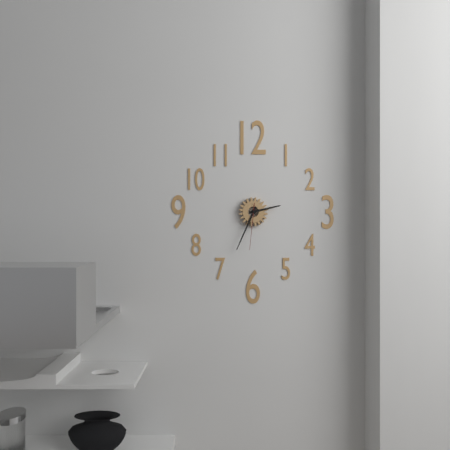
2,34
